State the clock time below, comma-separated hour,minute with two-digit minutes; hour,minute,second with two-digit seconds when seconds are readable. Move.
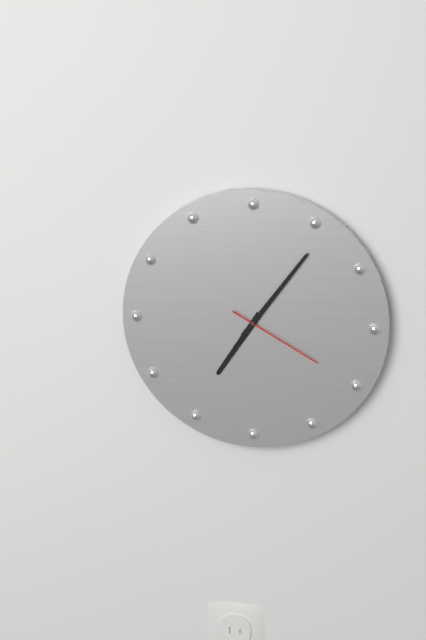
7,06,20
